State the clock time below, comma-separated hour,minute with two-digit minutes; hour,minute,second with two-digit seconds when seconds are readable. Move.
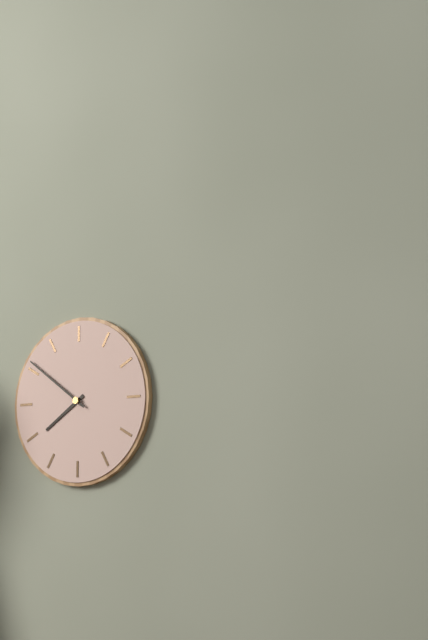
7,51
